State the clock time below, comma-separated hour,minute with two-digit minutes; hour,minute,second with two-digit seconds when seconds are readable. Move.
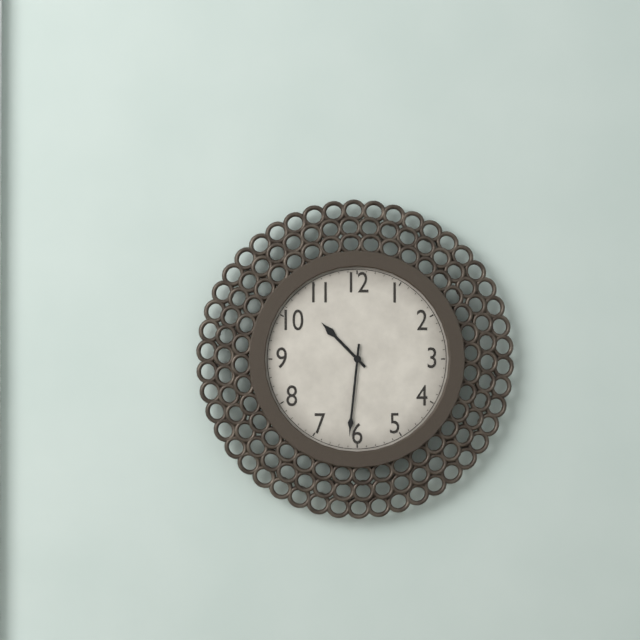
10,31
